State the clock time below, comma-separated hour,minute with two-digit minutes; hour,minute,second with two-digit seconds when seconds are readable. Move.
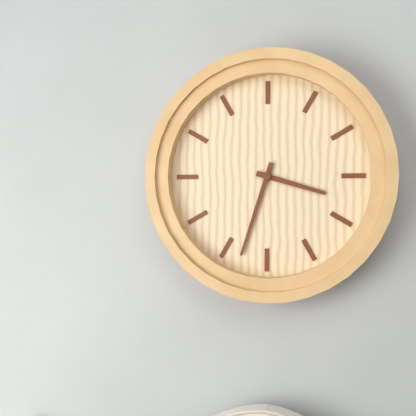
3,33
